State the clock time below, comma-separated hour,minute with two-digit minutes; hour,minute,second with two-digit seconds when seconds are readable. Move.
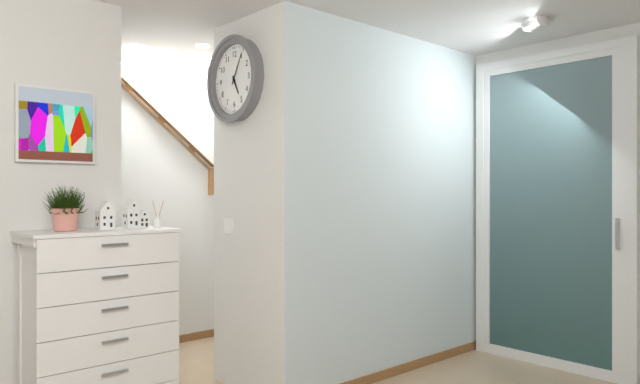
5,05
